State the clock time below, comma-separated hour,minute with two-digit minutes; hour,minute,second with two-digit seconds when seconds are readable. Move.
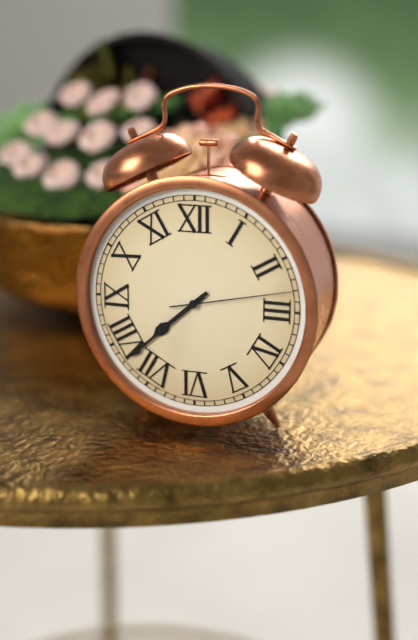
7,38,13
